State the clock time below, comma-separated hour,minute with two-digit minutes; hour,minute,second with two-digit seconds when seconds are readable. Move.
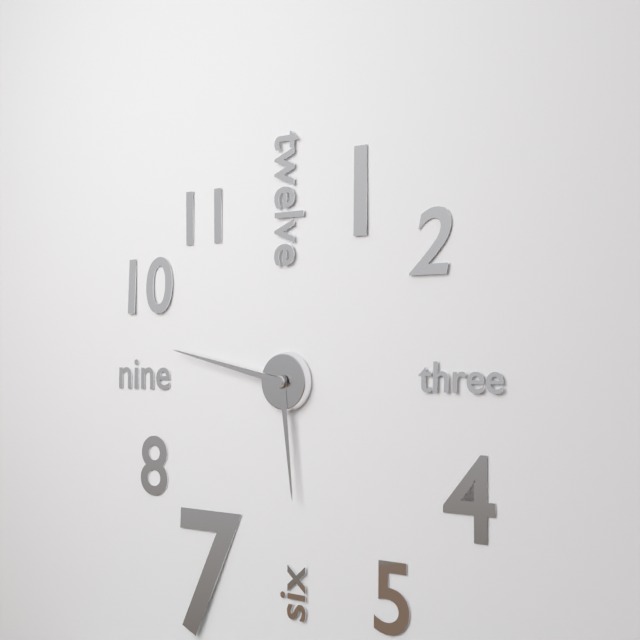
5,47
